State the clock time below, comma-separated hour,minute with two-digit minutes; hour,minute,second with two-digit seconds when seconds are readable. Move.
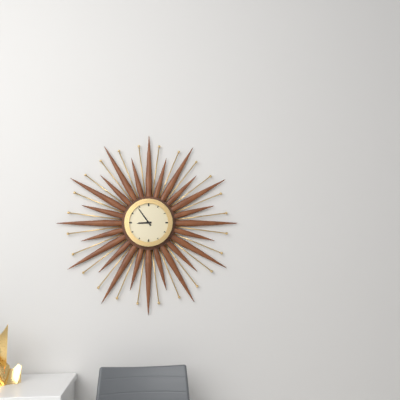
8,54
